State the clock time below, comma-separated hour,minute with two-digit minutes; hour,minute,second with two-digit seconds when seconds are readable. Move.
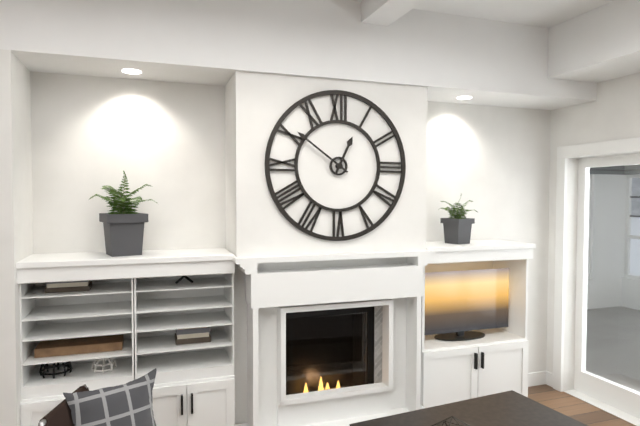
12,51
